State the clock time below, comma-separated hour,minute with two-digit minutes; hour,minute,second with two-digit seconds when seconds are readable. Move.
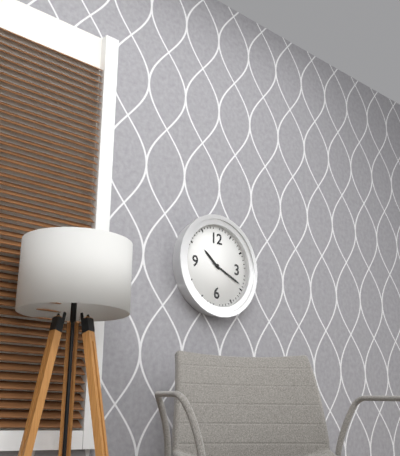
10,19
